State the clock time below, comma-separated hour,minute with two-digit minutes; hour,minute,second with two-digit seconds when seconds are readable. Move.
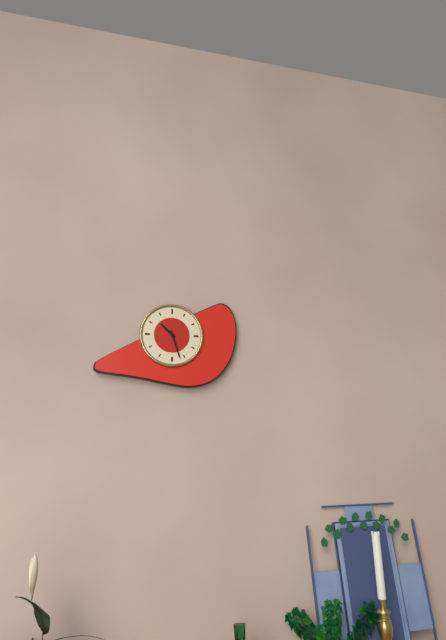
10,27
